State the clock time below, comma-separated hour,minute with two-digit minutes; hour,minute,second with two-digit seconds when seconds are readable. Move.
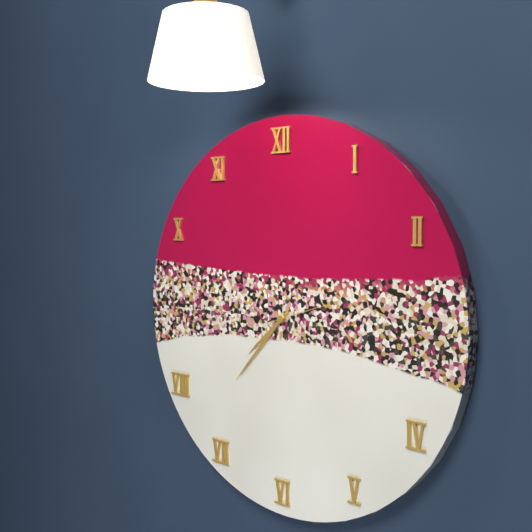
7,37
